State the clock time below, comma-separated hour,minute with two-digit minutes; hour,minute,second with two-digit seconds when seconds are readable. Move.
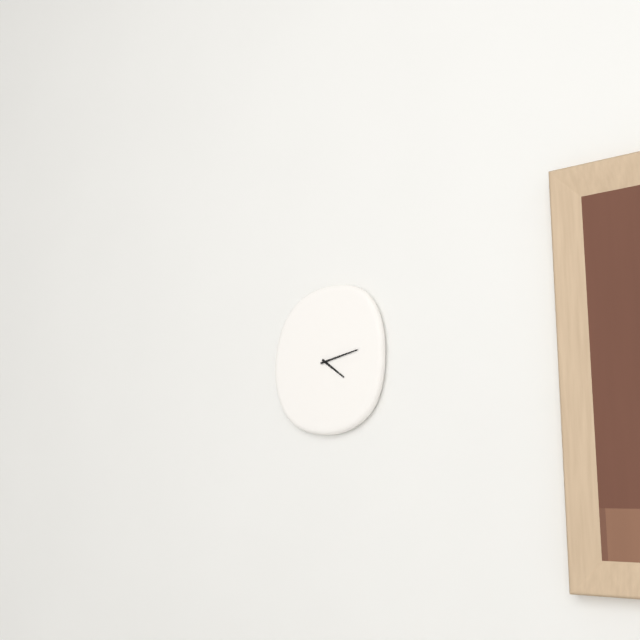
4,13
